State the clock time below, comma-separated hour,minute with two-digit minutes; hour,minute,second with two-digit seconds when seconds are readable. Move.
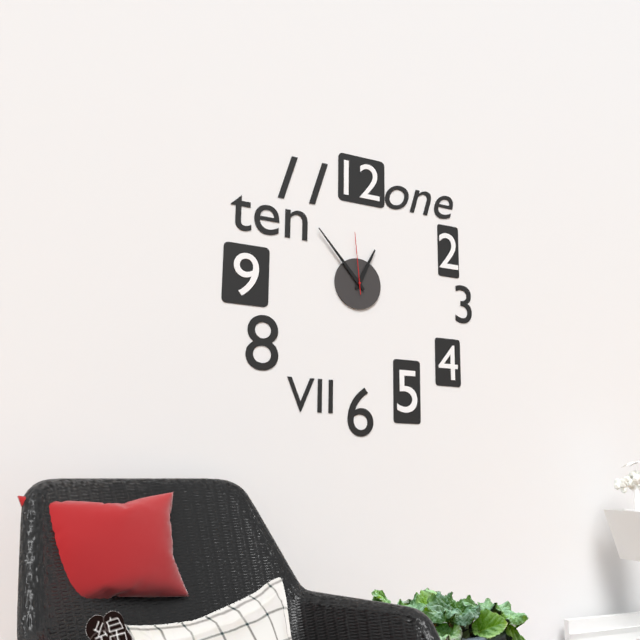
12,53,59
